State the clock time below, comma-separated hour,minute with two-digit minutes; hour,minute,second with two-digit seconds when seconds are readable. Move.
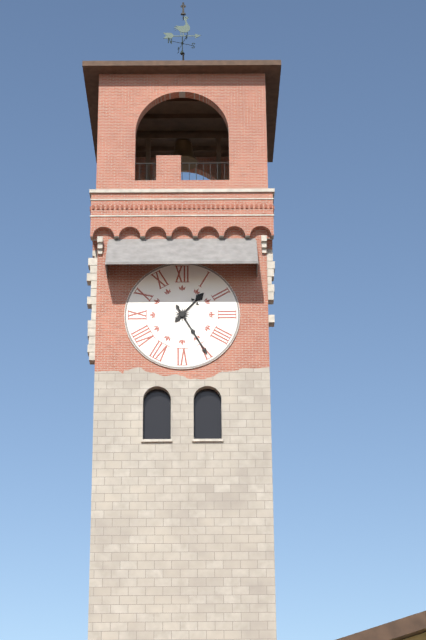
1,25
